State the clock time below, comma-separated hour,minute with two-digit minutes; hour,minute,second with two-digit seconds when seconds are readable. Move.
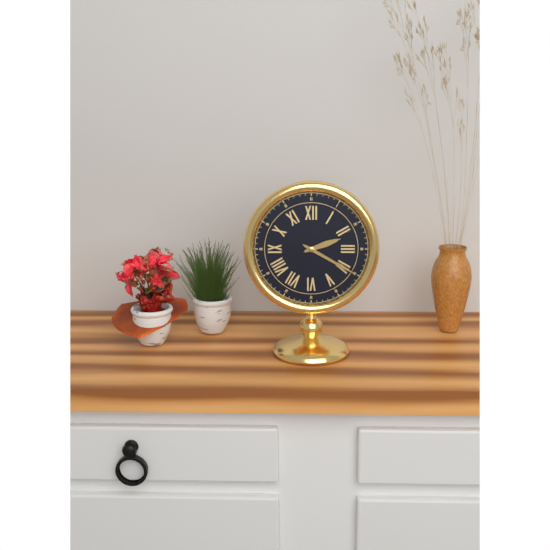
2,20
